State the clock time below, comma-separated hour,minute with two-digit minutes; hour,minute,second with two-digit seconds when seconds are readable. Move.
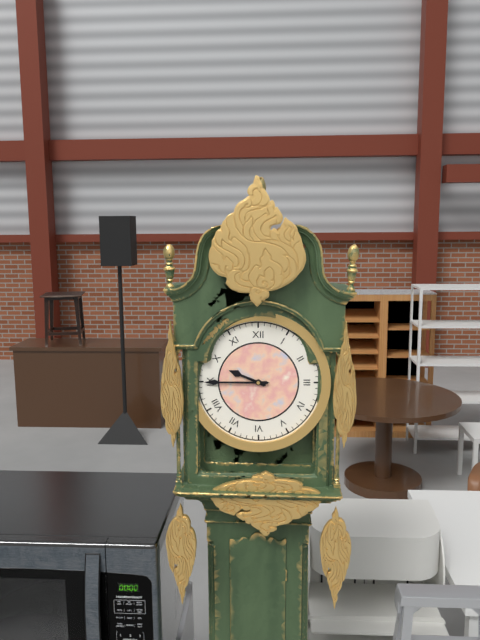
9,45
